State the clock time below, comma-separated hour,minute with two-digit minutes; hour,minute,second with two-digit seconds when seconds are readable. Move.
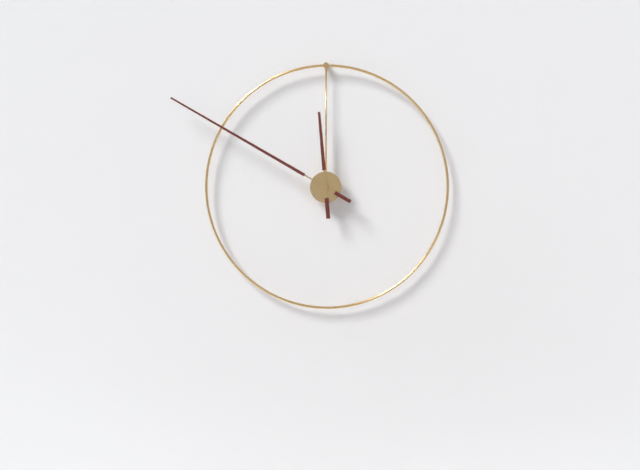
11,50
